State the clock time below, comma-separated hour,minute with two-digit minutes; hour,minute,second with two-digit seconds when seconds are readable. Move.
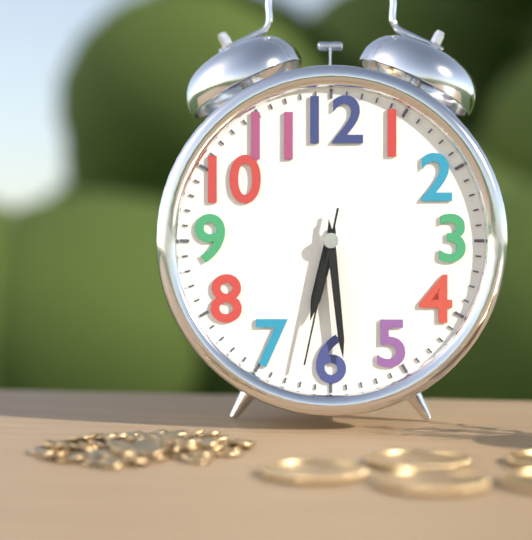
6,29,32
